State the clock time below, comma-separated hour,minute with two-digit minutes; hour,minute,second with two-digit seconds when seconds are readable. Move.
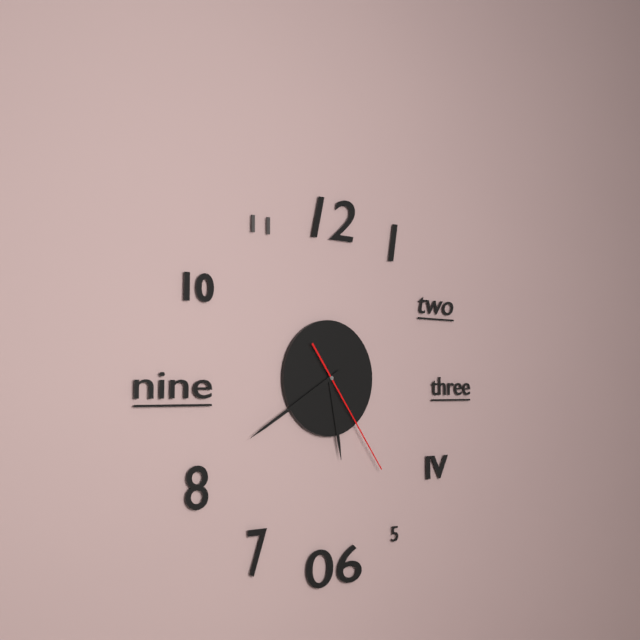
5,40,24
